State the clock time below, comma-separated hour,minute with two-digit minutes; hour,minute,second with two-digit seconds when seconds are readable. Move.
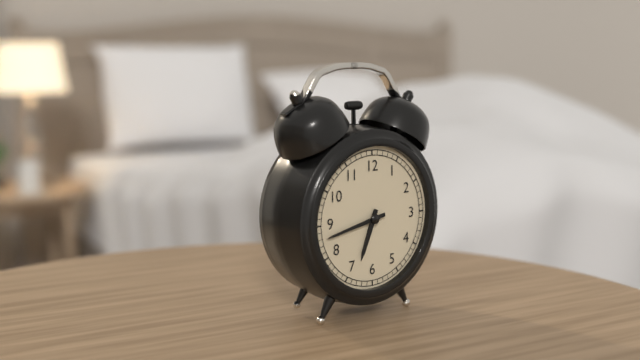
6,43
